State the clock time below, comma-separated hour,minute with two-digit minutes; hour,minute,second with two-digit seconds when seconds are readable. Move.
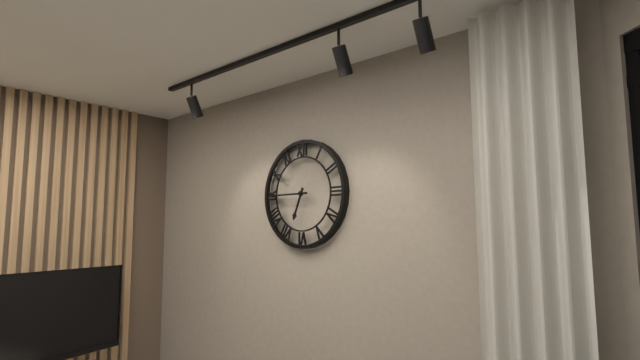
6,45
